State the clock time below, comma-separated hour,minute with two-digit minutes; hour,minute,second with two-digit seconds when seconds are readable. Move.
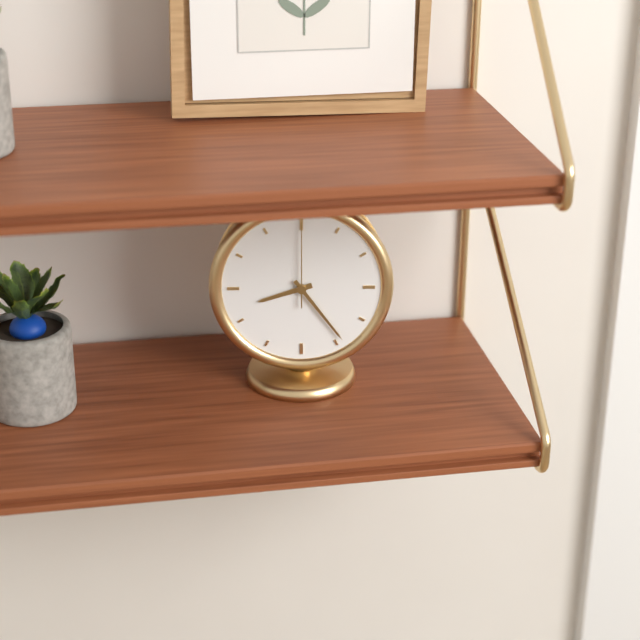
8,24,00
